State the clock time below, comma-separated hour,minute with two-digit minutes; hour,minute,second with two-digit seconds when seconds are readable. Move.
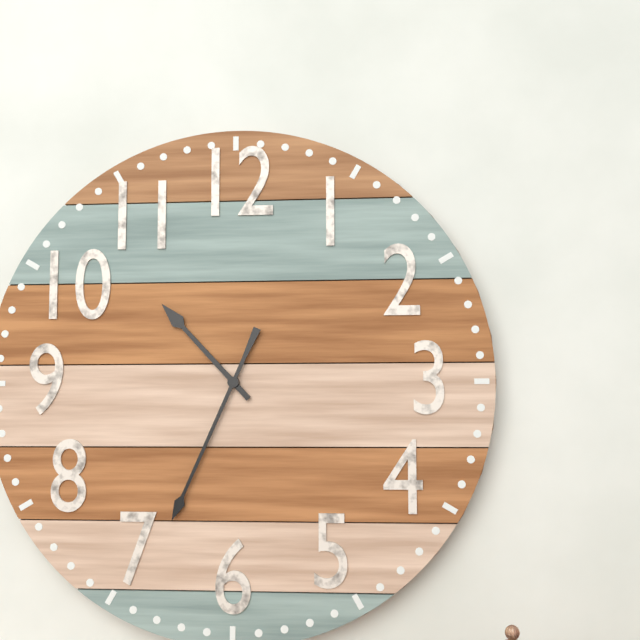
10,34
